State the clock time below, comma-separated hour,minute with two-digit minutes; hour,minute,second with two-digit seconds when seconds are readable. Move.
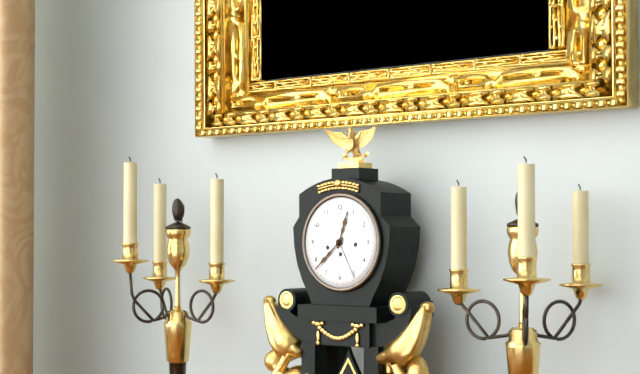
12,38
